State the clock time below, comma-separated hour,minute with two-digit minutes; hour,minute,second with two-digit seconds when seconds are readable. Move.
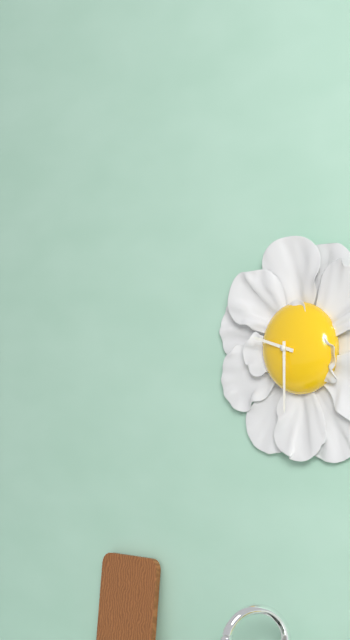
9,30
